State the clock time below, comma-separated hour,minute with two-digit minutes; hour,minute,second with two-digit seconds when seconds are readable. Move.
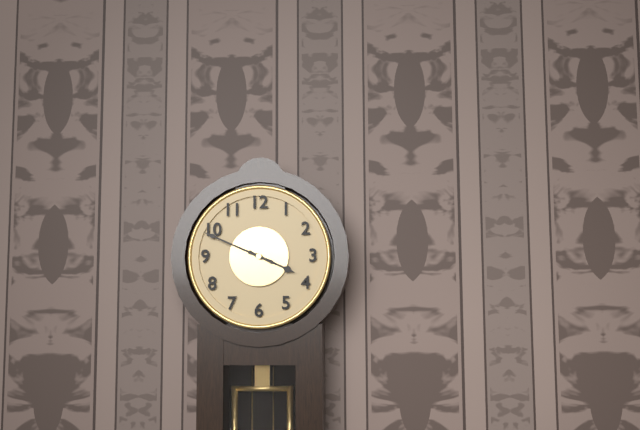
3,49
